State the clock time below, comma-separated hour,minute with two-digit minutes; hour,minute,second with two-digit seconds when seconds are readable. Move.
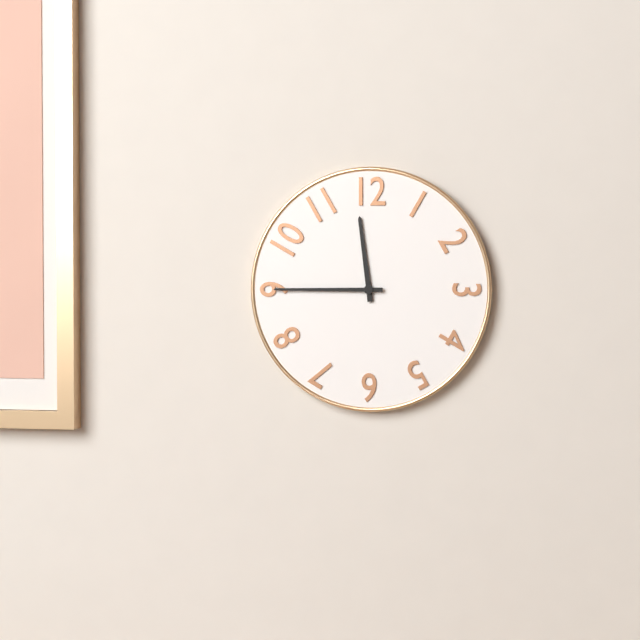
11,45
